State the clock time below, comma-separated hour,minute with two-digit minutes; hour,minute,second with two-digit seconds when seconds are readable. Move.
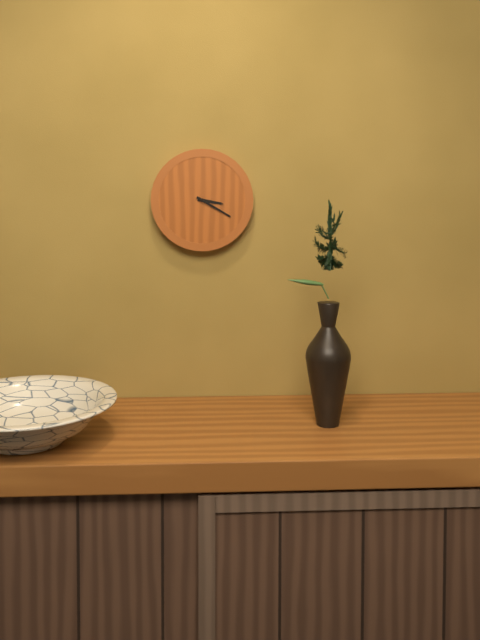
3,20
